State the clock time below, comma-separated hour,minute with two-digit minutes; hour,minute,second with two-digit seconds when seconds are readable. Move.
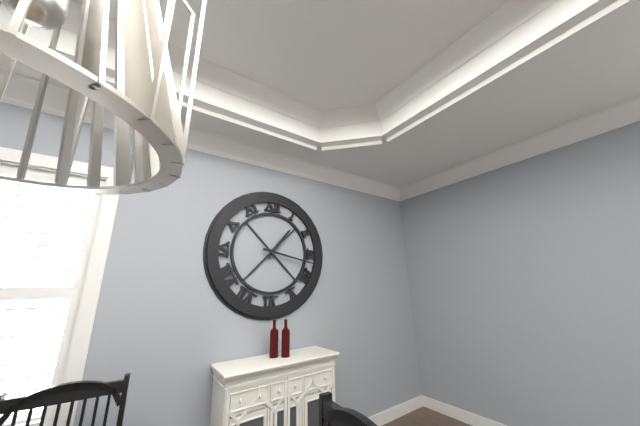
1,17
